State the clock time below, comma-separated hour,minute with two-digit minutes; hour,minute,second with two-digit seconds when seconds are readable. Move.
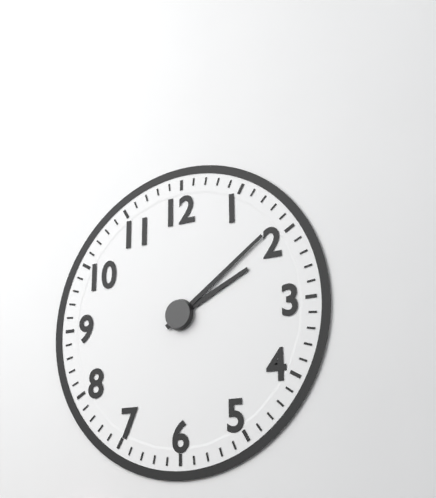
2,09
